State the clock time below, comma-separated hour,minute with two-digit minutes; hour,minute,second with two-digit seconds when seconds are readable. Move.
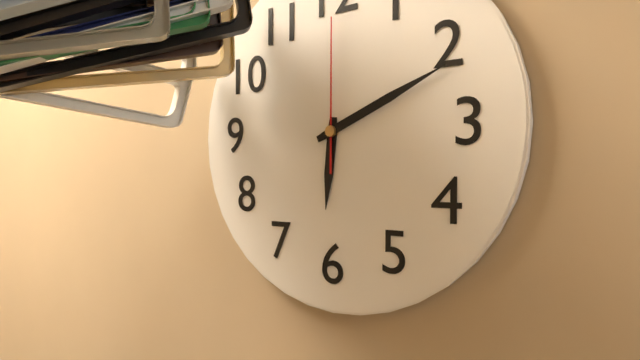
6,11,00
